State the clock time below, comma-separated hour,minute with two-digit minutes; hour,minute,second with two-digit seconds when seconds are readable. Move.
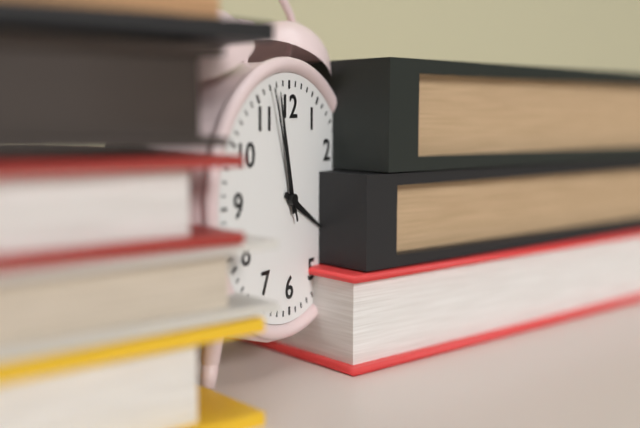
3,58,57
